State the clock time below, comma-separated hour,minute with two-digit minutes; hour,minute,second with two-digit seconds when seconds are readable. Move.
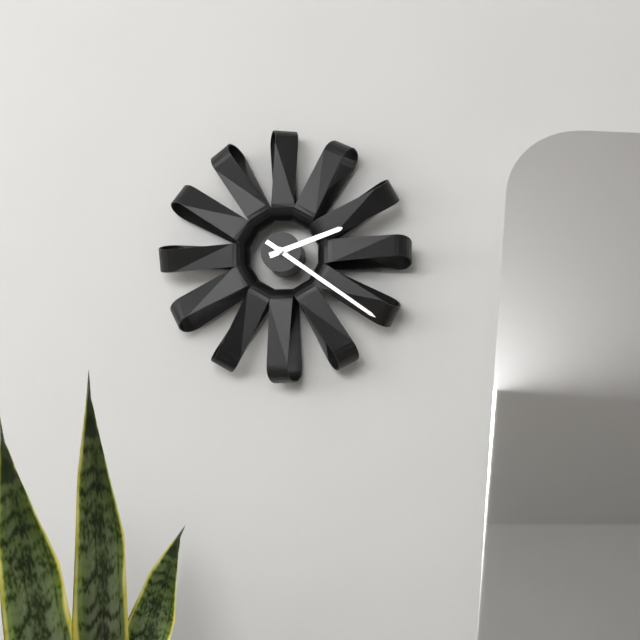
2,21
